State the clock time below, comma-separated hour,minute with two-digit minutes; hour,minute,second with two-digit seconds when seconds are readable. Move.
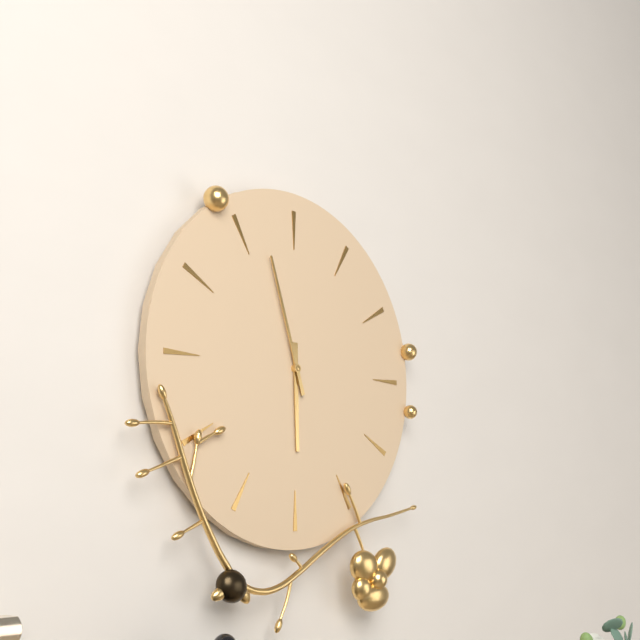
5,57
